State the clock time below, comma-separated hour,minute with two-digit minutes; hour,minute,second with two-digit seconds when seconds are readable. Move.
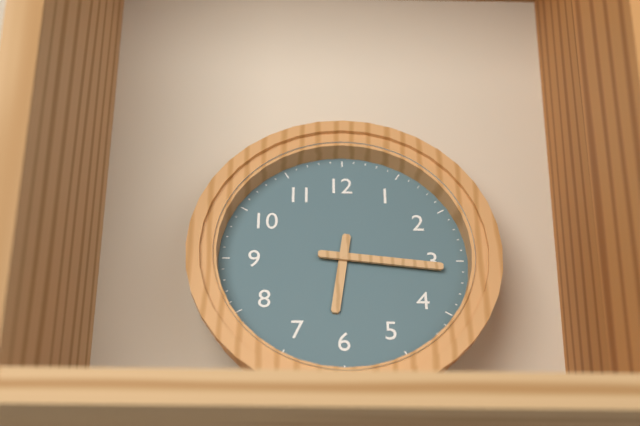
6,16
